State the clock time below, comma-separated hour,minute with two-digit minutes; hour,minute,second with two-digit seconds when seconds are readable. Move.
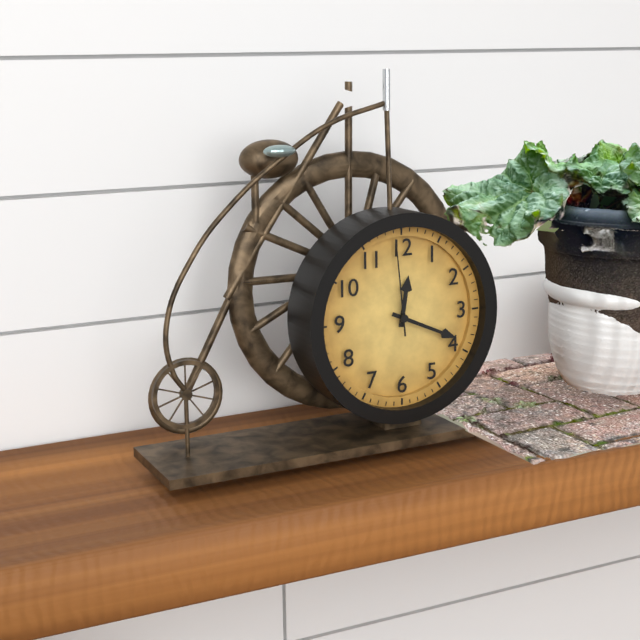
12,19,59
